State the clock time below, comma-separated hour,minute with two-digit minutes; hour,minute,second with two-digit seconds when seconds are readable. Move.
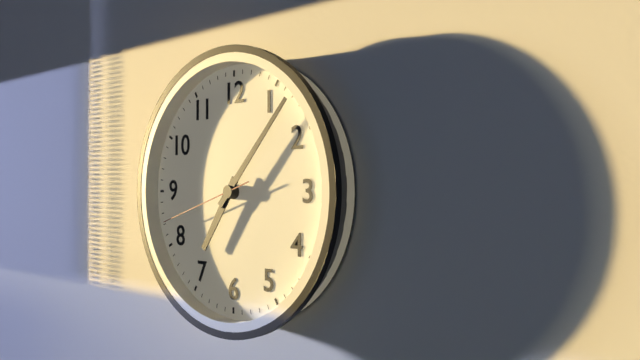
7,07,42
